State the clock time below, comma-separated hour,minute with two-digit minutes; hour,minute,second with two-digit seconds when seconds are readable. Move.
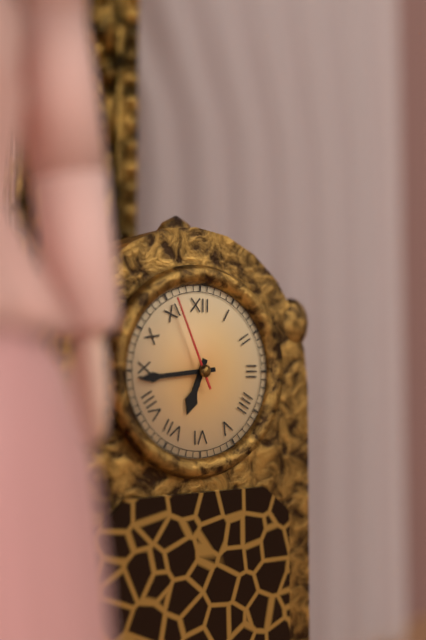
6,44,56
